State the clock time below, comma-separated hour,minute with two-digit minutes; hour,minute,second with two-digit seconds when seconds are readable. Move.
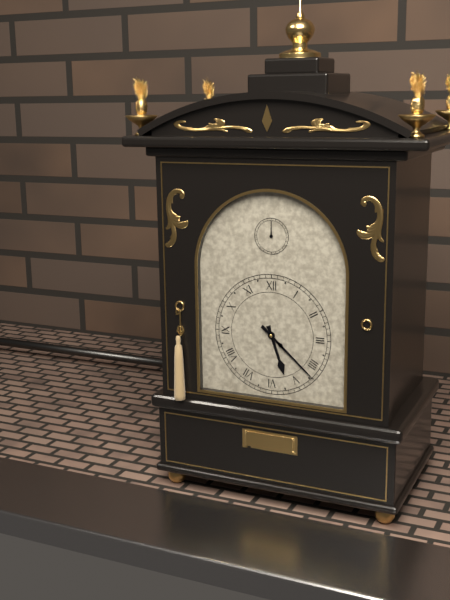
5,22
